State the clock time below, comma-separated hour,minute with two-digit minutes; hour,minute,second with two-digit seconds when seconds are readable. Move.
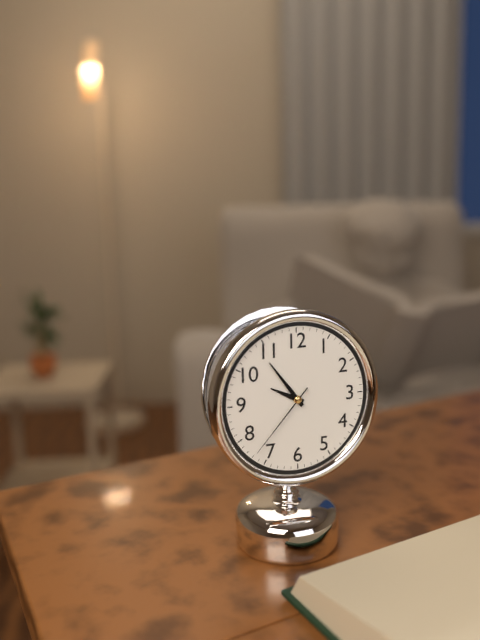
9,54,37
